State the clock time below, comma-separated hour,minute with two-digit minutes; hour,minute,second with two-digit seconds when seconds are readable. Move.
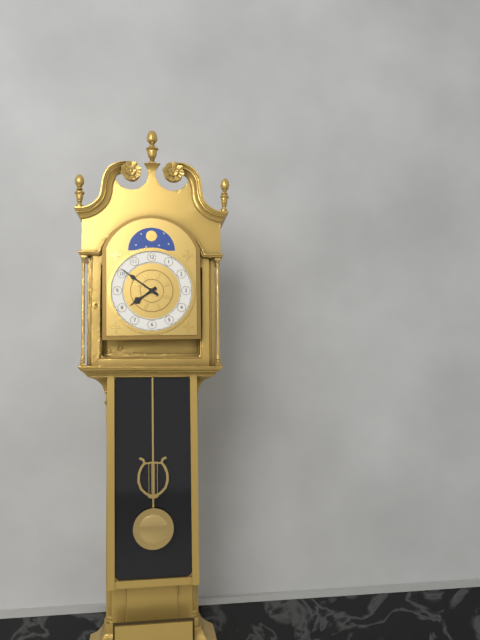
7,51
